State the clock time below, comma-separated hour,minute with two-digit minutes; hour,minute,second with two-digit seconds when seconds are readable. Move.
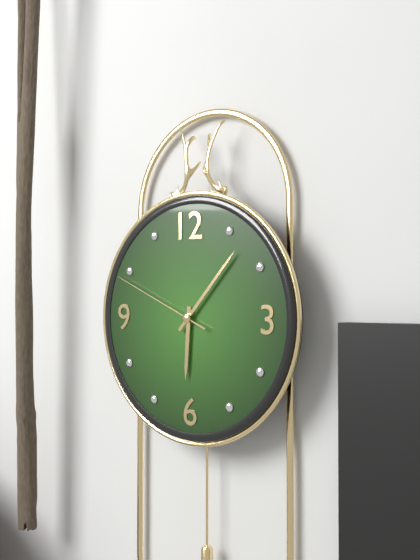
6,07,49
